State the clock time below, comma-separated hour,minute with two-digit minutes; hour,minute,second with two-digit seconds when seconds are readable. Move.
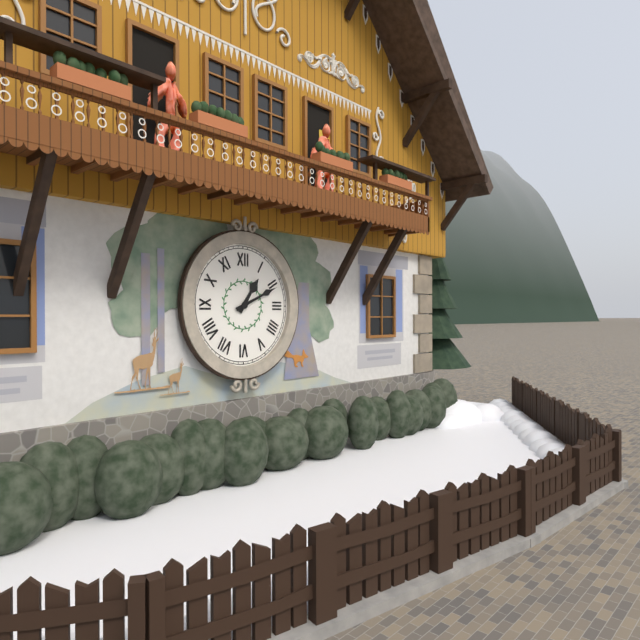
1,11
